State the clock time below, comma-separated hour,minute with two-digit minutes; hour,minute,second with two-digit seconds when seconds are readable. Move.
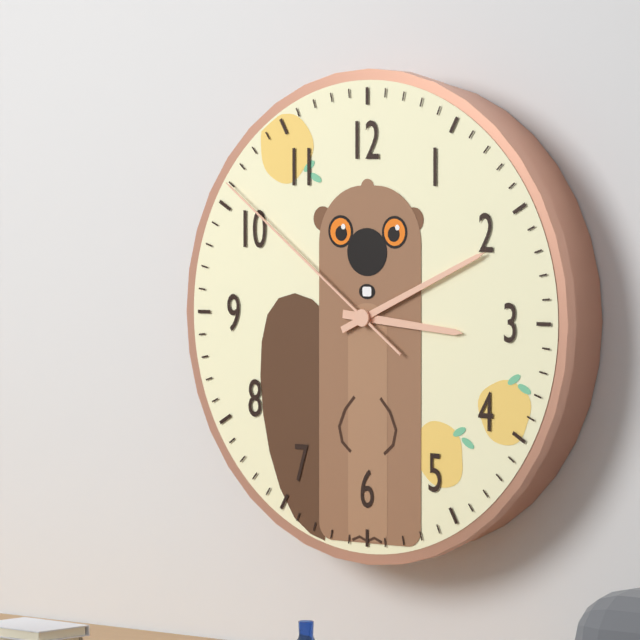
3,11,51
